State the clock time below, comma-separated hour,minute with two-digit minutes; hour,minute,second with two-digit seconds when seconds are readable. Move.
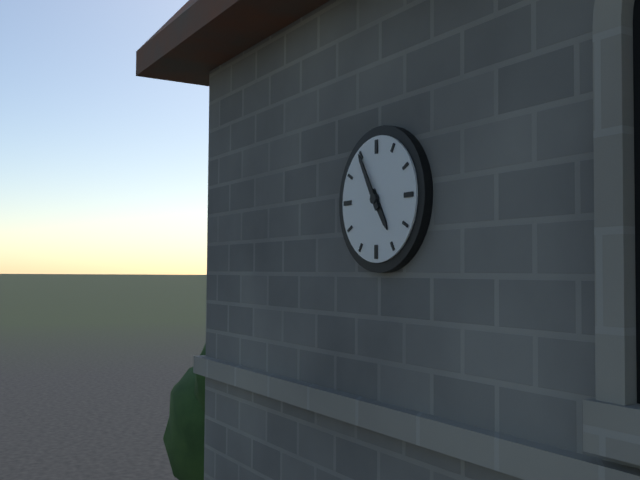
4,55
